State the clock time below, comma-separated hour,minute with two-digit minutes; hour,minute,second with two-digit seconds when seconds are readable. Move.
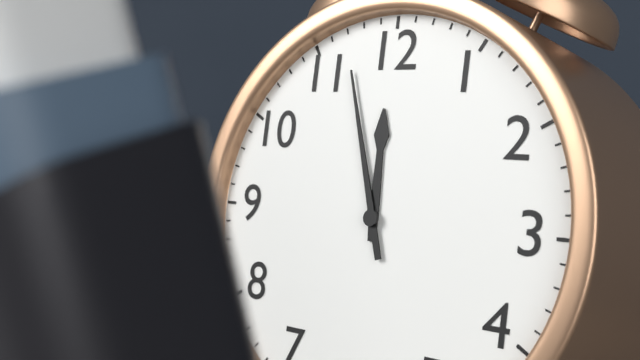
11,57
